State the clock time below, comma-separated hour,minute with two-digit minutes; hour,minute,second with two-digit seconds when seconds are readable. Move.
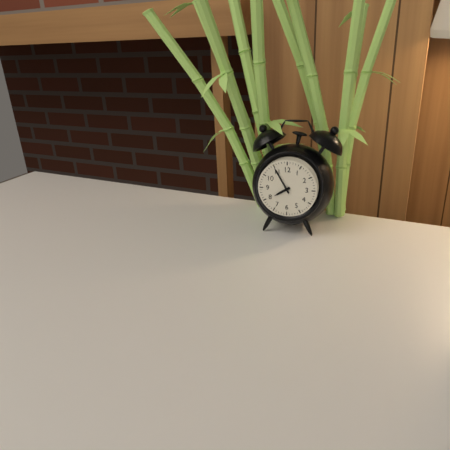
7,55
